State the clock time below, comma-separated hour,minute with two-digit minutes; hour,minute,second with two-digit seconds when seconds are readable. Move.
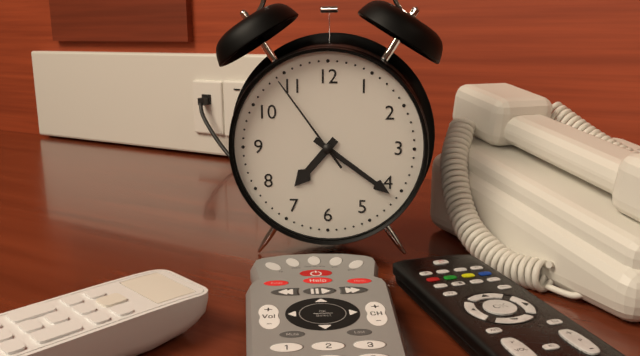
7,21,54
